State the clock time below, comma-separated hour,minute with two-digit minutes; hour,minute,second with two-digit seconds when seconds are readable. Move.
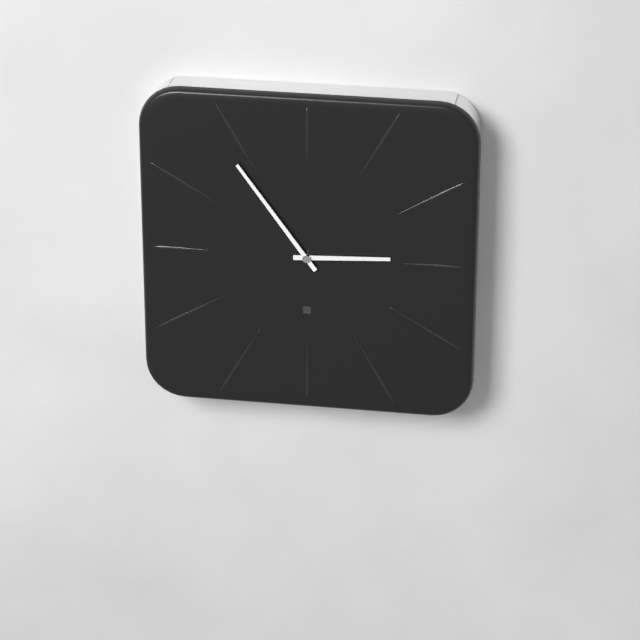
2,54
